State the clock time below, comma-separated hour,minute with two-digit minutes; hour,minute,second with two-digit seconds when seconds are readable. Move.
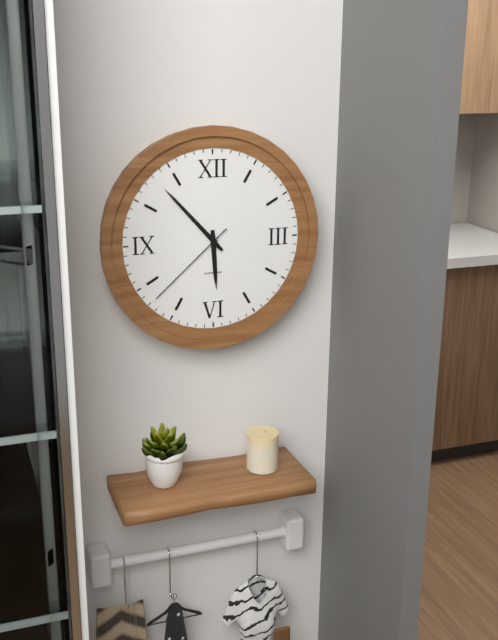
5,53,38
